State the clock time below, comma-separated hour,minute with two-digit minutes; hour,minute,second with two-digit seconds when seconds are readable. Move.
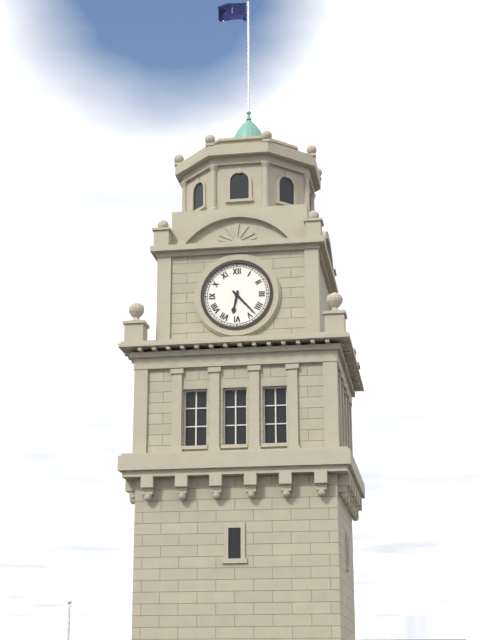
6,23
